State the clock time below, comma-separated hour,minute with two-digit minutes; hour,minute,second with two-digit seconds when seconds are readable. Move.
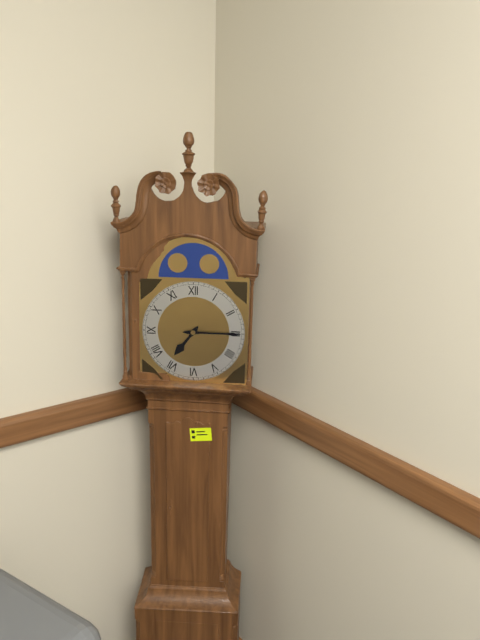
7,15
